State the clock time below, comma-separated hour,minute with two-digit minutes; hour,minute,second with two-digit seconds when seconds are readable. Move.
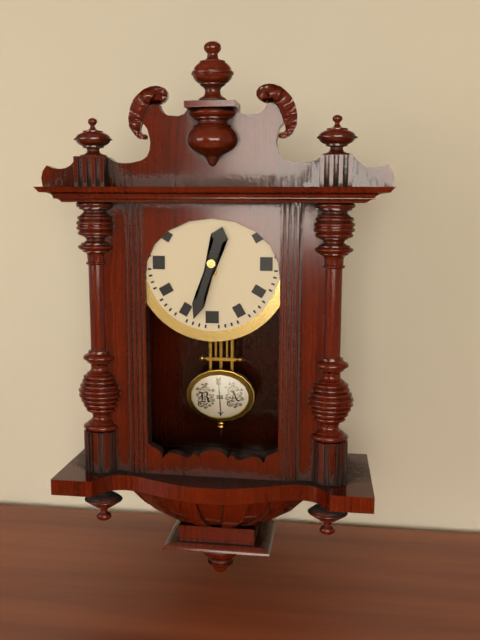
12,33
